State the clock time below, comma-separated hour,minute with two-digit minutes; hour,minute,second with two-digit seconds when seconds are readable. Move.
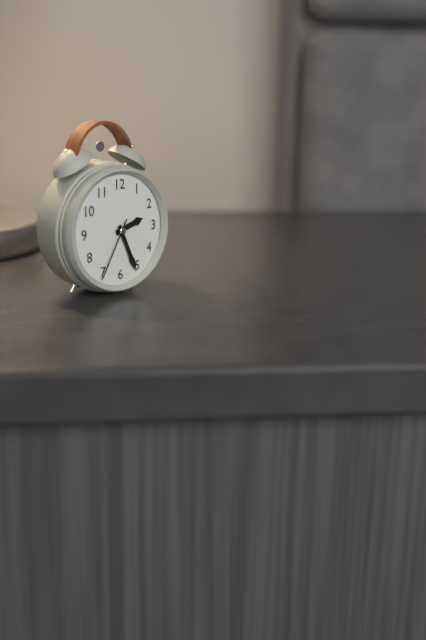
2,26,35
